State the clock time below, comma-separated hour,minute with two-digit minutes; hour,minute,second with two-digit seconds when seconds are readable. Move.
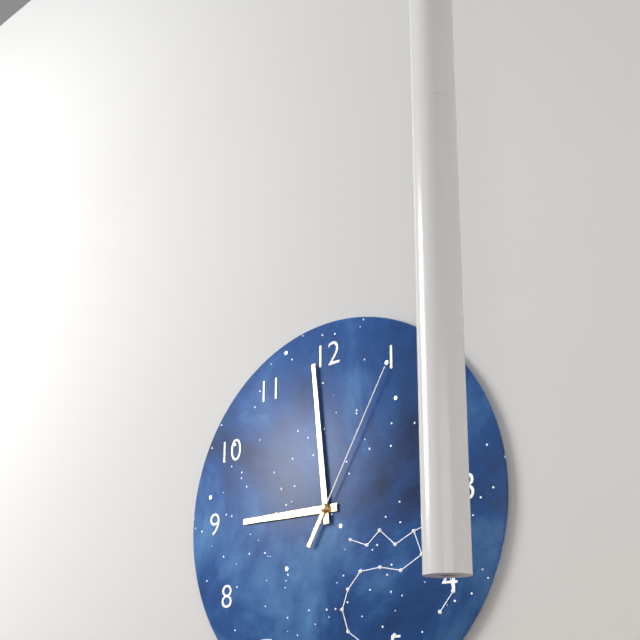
8,59,05
